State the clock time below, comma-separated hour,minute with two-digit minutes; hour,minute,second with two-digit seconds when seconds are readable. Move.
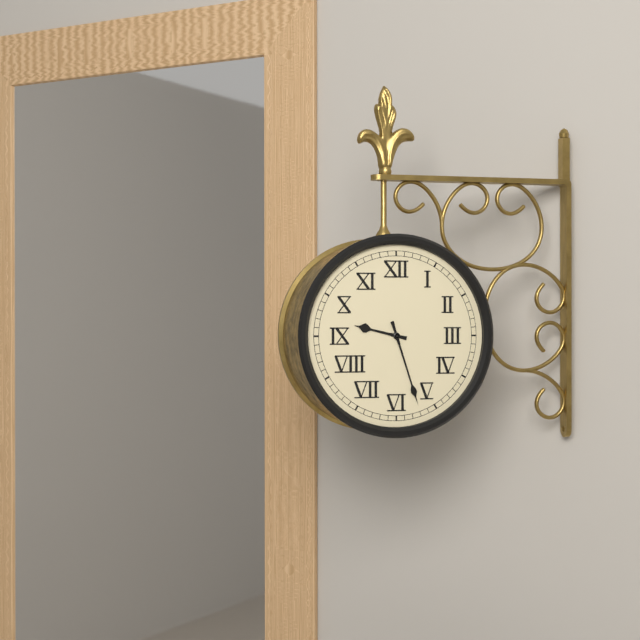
9,27
